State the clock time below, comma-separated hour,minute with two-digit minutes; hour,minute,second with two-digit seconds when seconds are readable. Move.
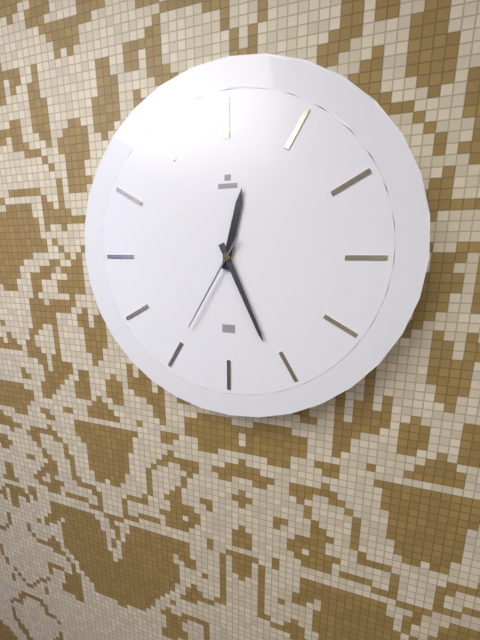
12,26,35
